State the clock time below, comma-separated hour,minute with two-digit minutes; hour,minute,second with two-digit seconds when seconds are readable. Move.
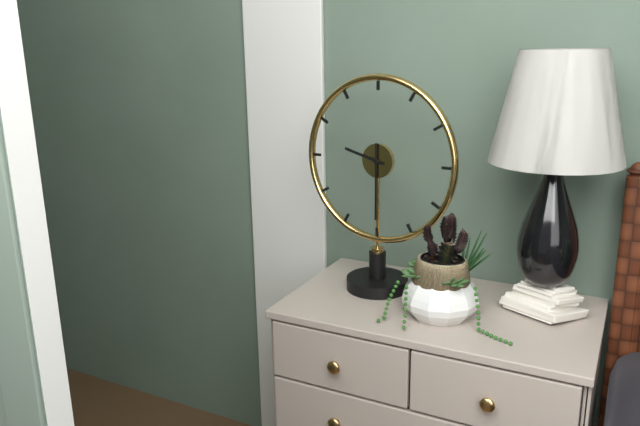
9,30
